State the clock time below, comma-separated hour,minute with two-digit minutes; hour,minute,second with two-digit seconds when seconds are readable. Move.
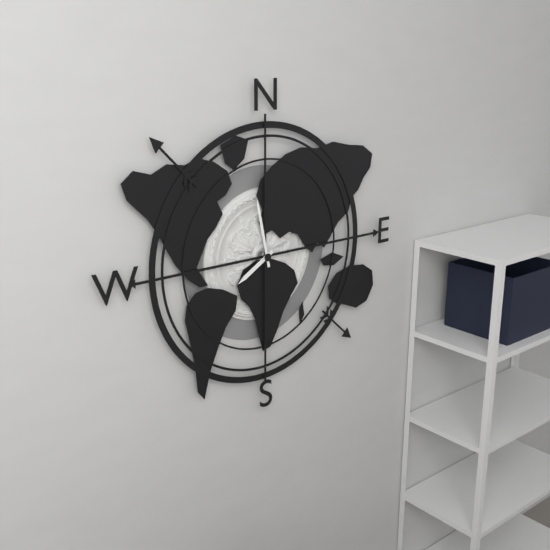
7,58
